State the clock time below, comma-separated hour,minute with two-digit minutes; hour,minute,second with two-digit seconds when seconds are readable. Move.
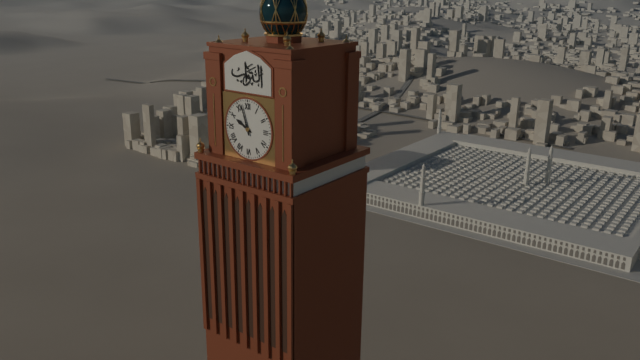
9,57
